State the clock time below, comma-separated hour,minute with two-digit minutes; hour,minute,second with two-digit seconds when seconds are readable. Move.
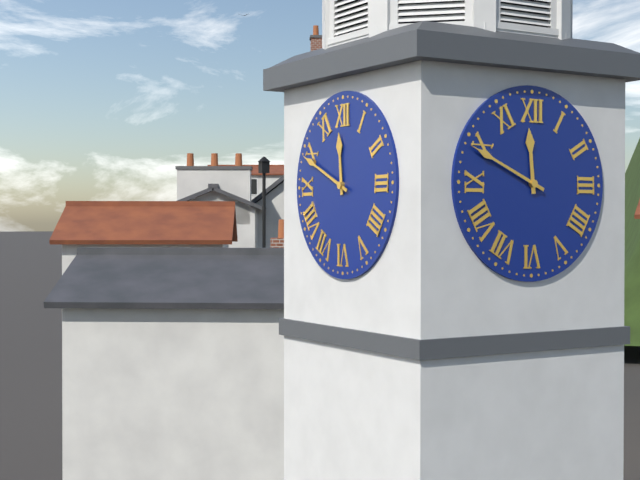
11,49
